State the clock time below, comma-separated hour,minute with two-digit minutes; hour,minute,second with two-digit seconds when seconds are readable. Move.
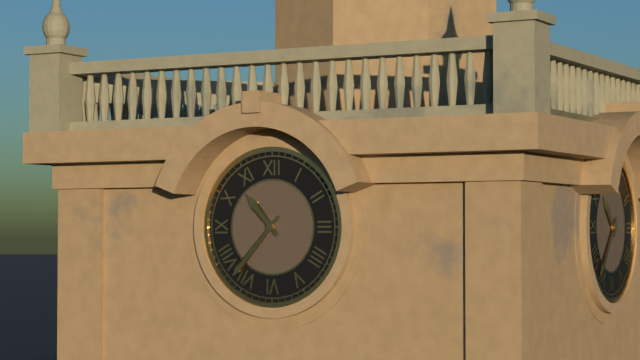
10,37
